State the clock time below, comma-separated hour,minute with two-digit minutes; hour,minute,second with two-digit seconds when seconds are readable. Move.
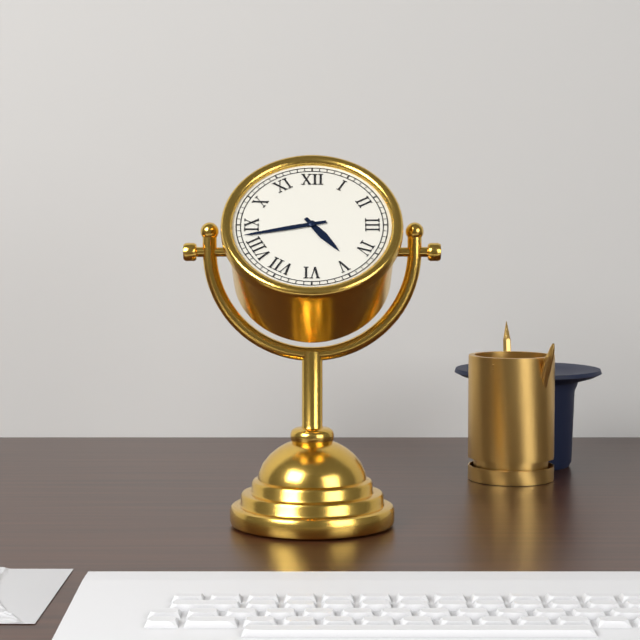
4,43
